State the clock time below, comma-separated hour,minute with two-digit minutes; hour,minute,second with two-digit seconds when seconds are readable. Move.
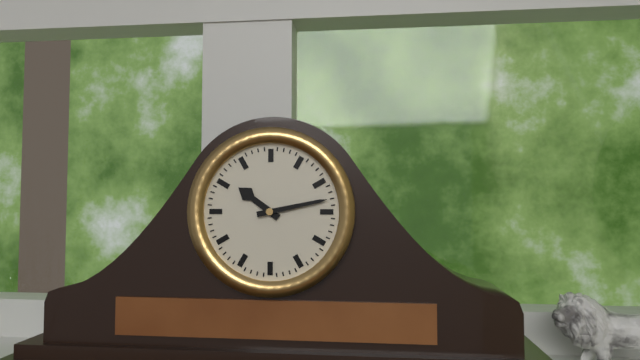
10,13
